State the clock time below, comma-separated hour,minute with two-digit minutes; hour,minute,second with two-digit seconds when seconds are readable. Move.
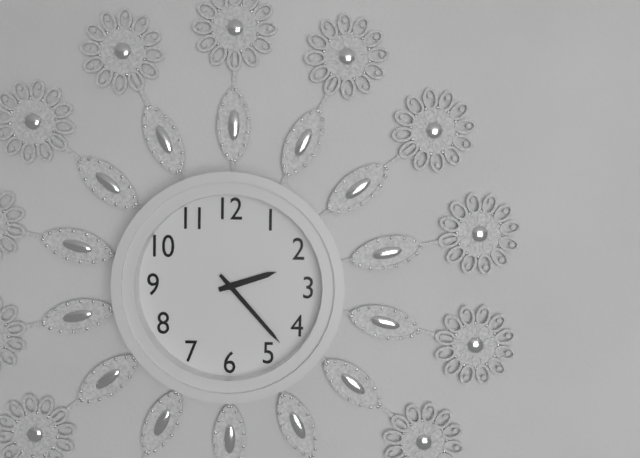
2,23
